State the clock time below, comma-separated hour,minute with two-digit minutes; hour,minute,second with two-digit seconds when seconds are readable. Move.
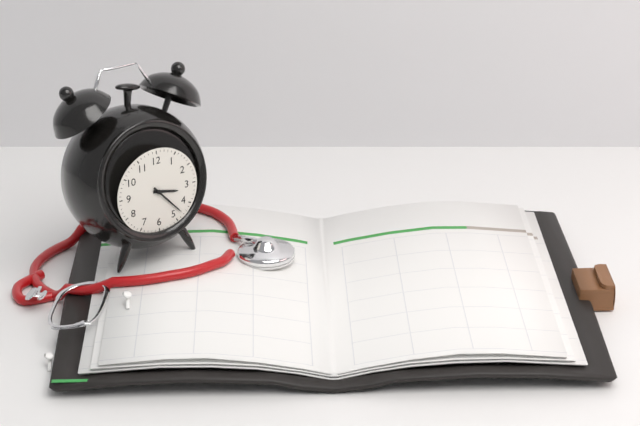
3,23
